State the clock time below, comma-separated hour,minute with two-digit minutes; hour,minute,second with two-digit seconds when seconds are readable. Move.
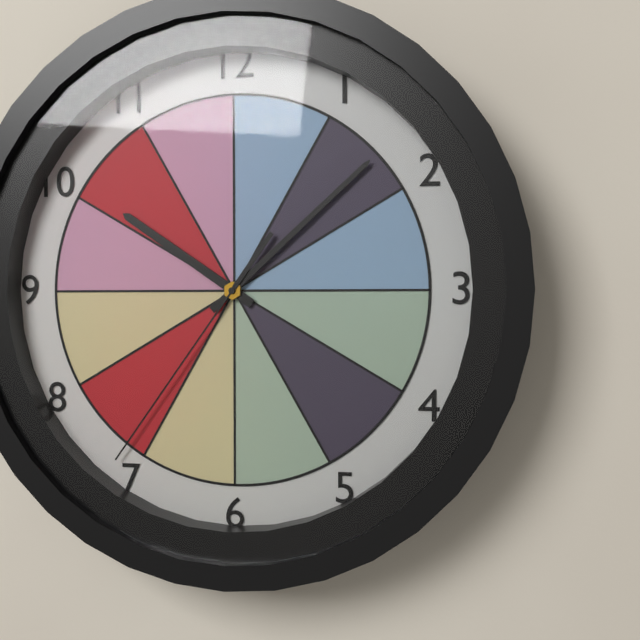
10,08,36
